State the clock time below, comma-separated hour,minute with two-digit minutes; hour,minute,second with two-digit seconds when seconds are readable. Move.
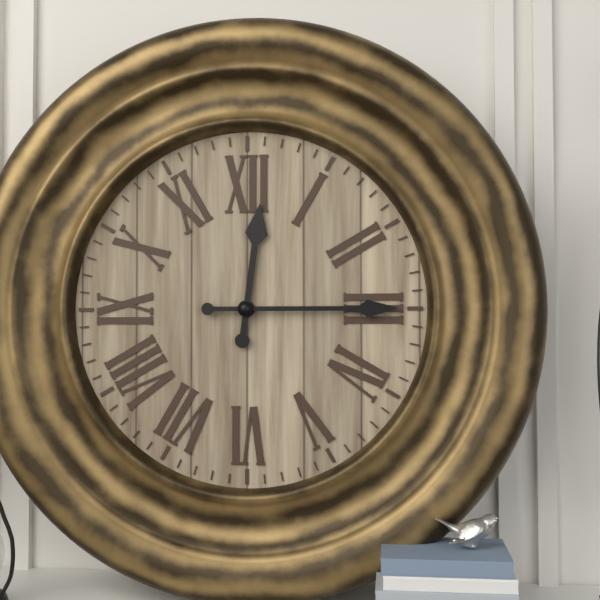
12,15
